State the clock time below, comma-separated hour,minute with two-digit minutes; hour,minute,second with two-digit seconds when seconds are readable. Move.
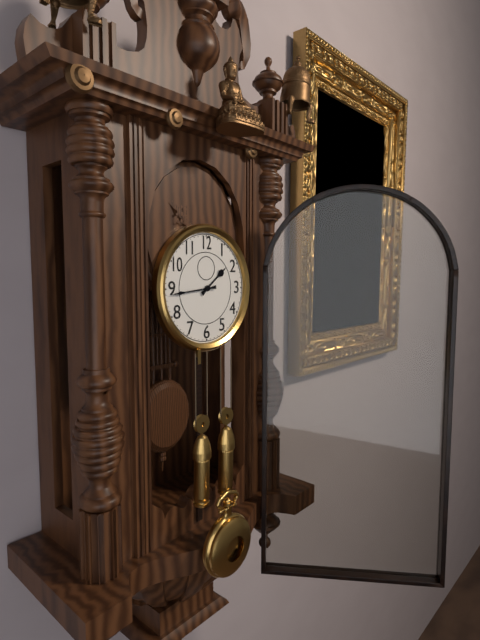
1,44
